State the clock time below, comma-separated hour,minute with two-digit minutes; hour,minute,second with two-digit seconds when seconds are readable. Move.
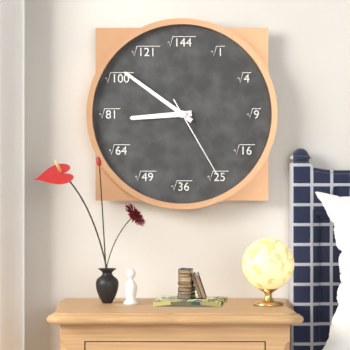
8,51,25
